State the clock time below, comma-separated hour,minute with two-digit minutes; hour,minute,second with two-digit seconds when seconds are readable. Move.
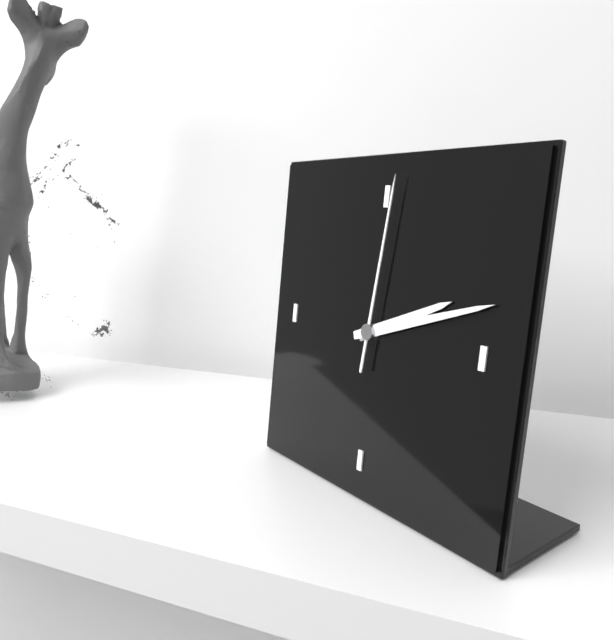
2,12,01
